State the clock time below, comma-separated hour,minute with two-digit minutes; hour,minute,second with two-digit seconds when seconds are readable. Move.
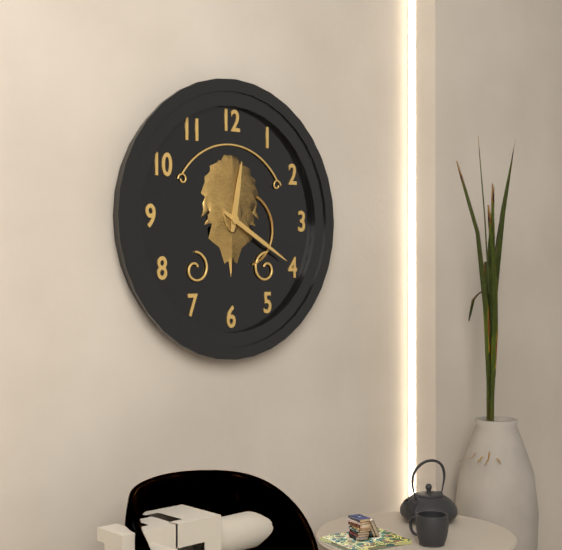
12,20
